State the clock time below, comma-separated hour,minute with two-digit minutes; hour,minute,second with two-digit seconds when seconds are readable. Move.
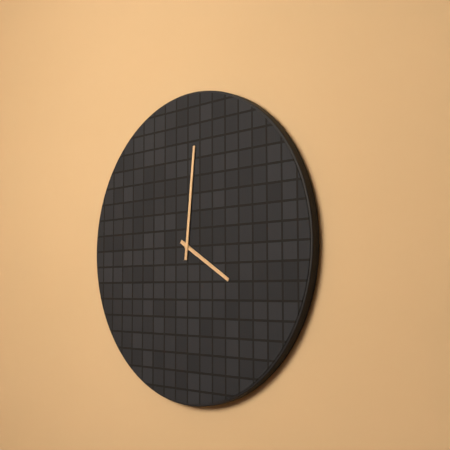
4,01
